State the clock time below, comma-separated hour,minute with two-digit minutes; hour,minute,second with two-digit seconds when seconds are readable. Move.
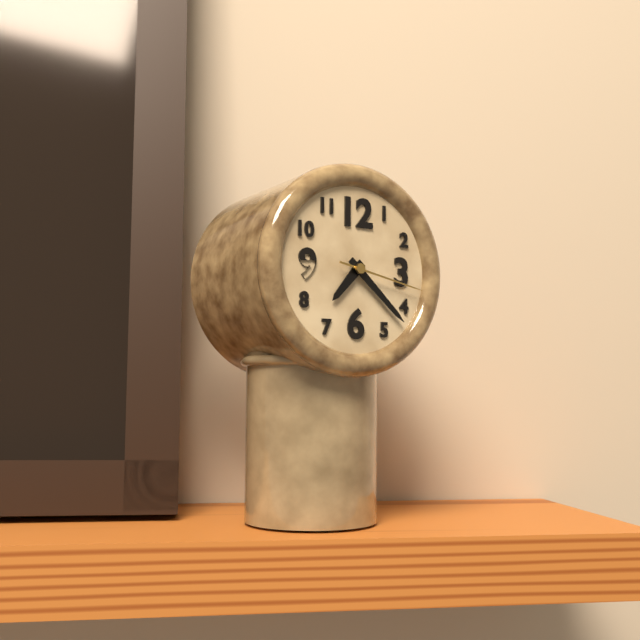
7,22,17
